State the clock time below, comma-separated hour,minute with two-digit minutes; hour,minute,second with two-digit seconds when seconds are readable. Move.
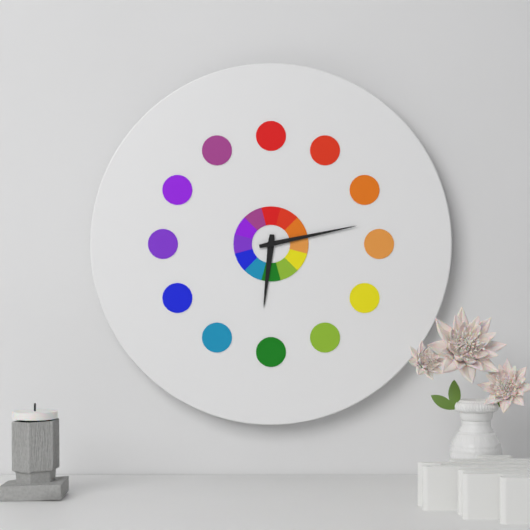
6,13
